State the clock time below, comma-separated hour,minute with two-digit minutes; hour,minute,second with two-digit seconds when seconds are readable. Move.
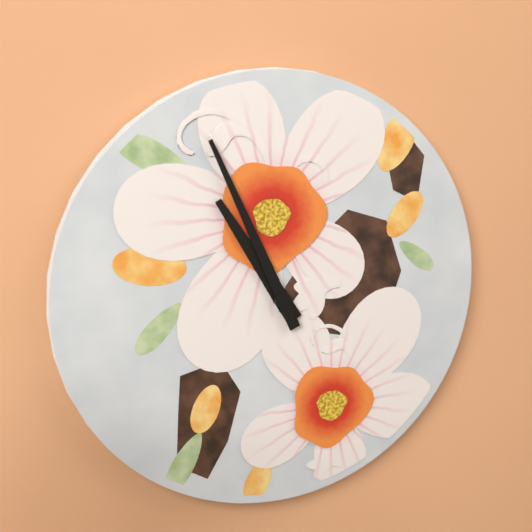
10,56
